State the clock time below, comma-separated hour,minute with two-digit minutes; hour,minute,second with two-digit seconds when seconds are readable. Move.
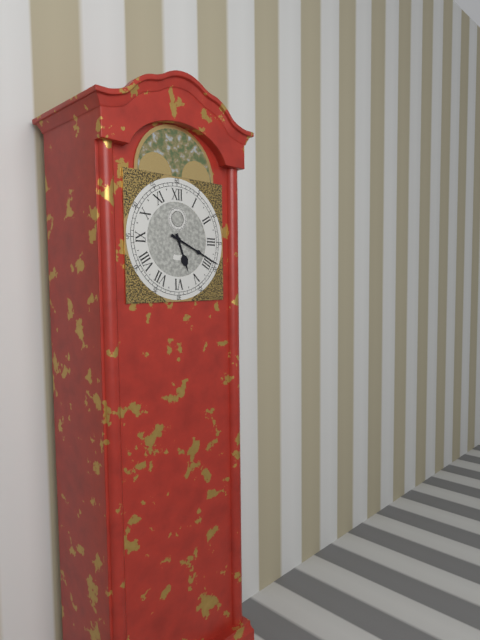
5,19
